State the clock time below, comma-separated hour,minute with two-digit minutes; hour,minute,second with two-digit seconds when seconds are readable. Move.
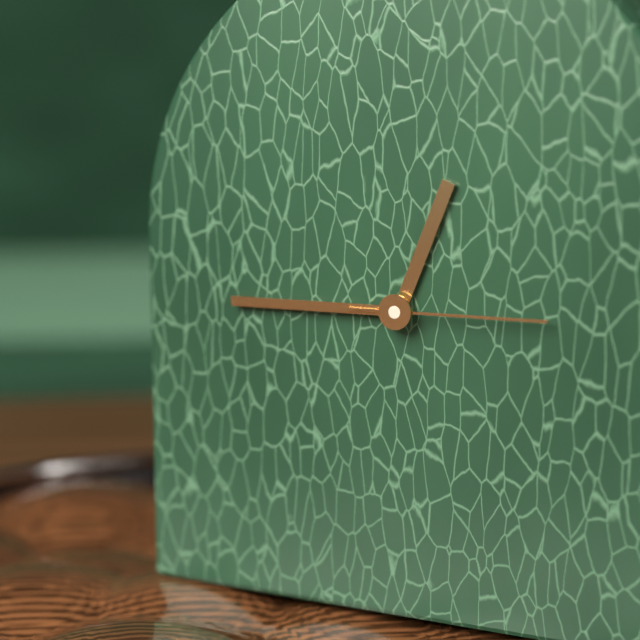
12,45,15
